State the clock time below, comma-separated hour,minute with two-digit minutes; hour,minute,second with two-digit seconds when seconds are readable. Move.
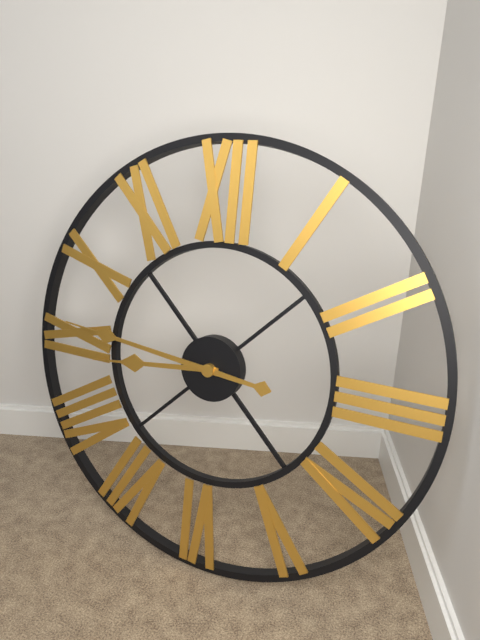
8,46
